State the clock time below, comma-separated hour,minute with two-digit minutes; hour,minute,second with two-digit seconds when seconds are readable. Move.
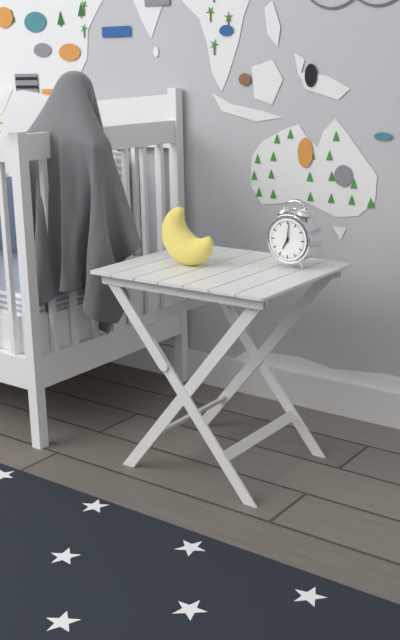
7,01
